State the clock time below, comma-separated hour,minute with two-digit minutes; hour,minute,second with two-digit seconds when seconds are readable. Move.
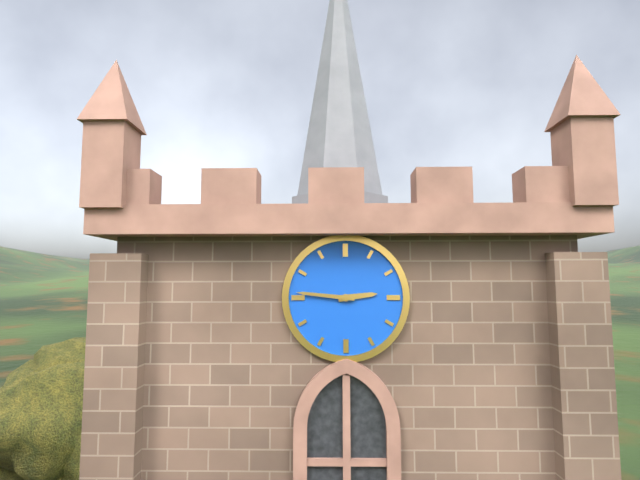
2,46
